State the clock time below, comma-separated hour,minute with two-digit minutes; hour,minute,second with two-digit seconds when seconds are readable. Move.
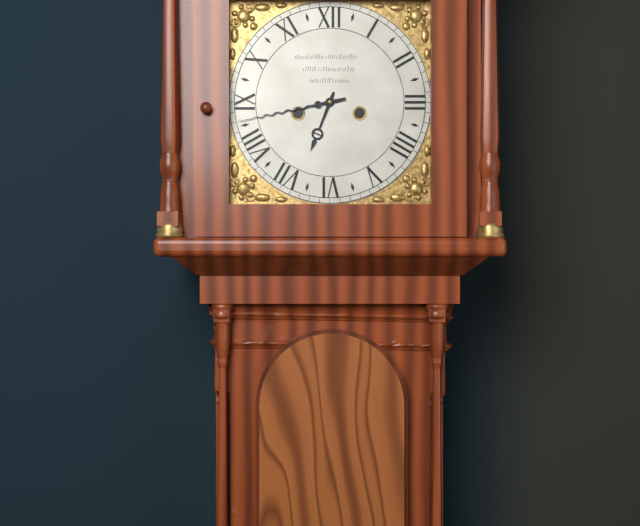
6,43
